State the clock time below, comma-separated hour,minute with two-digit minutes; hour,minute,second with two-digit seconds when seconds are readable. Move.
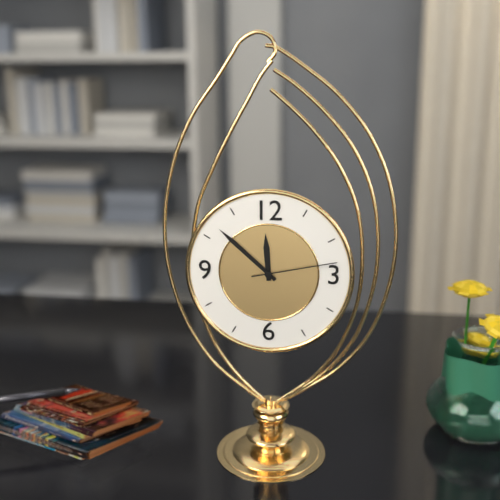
11,52,13
